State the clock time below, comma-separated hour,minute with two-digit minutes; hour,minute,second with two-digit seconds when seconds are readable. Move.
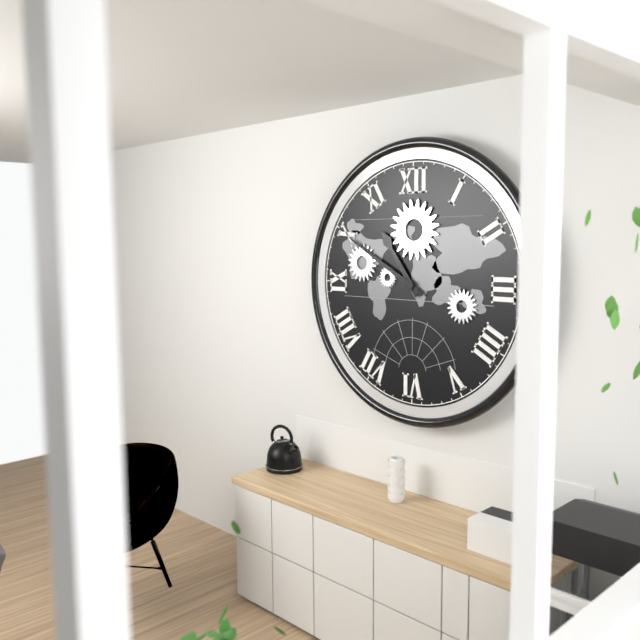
10,50
